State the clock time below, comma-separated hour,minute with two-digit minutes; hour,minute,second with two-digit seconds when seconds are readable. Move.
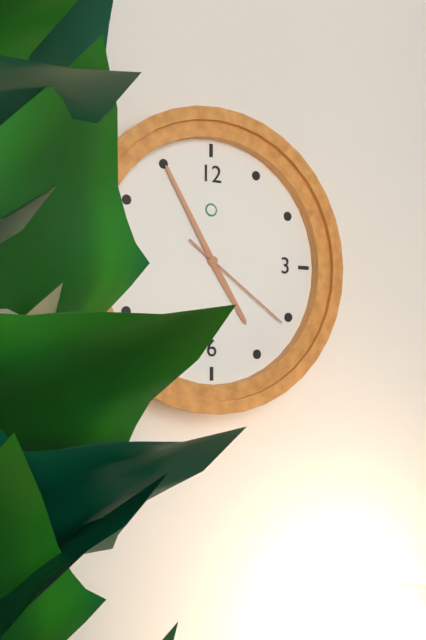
4,55,21
